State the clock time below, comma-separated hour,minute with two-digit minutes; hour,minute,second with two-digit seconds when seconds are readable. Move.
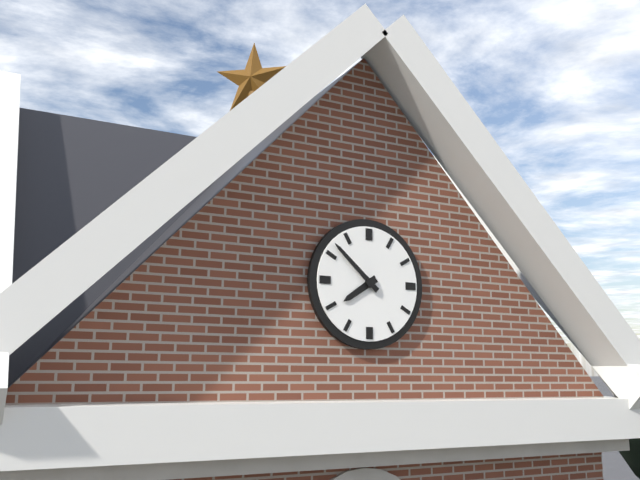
7,52
